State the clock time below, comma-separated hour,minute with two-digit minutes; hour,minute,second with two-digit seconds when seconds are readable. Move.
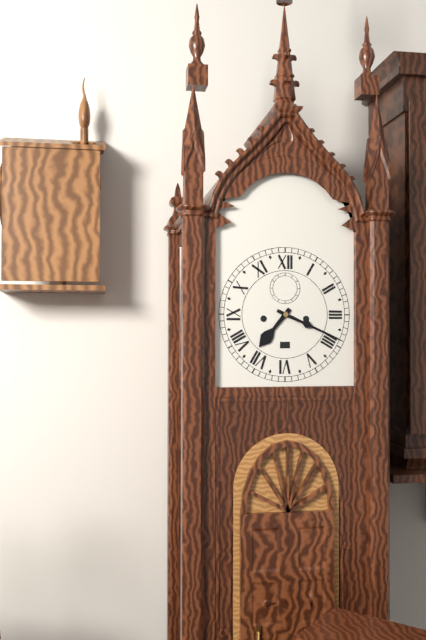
7,19
